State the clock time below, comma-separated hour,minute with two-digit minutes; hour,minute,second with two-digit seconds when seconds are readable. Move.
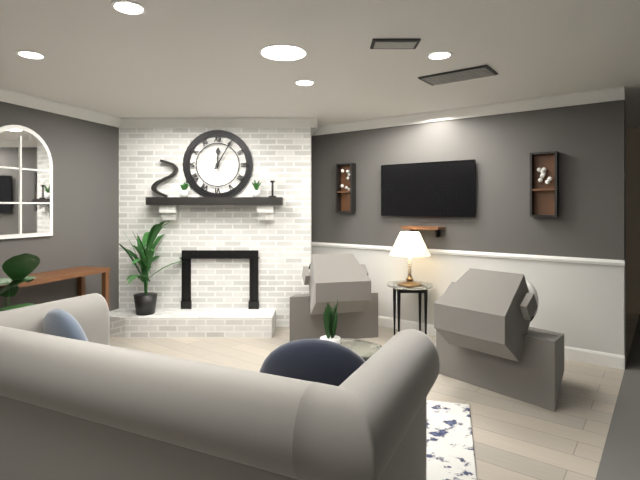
12,05
